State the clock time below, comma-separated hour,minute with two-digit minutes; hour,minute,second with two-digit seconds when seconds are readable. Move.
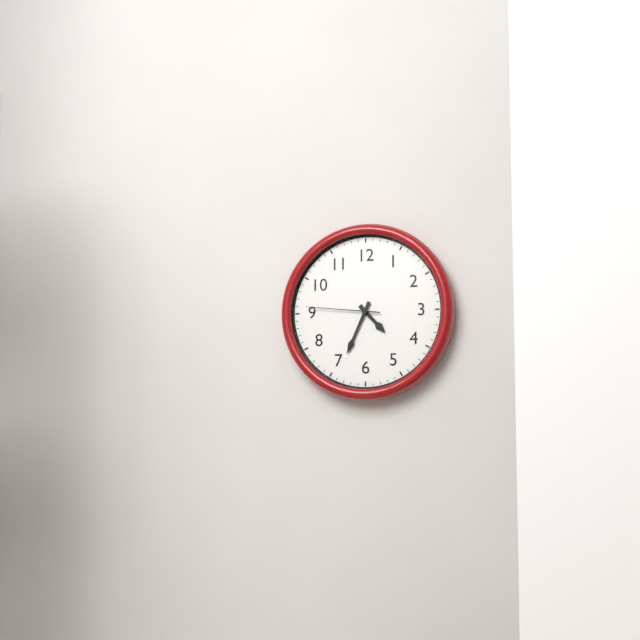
4,34,46
